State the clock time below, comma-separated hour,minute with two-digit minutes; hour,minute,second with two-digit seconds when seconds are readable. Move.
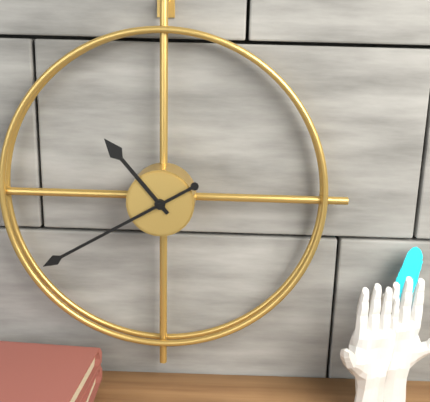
10,40
